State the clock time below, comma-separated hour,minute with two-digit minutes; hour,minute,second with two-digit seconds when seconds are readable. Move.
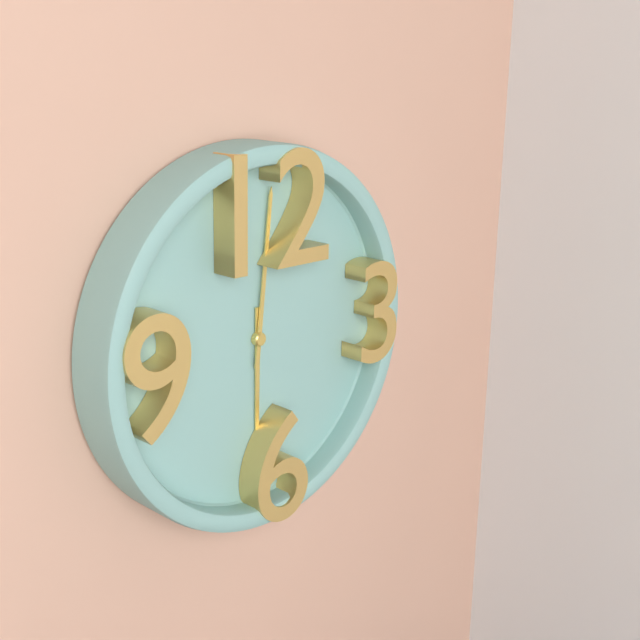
6,01
